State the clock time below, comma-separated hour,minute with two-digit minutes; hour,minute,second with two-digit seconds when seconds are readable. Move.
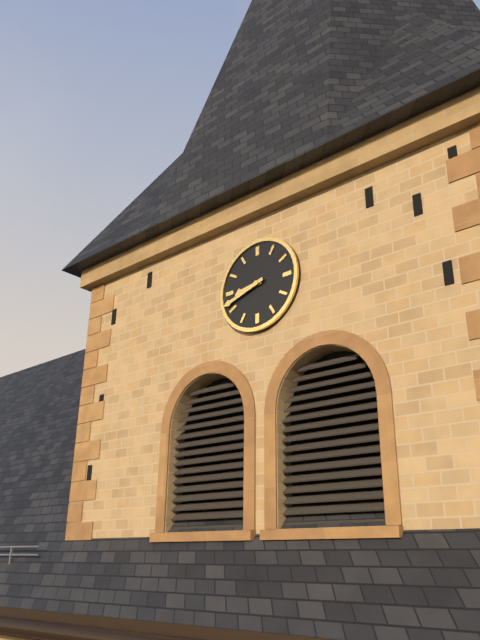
8,42
